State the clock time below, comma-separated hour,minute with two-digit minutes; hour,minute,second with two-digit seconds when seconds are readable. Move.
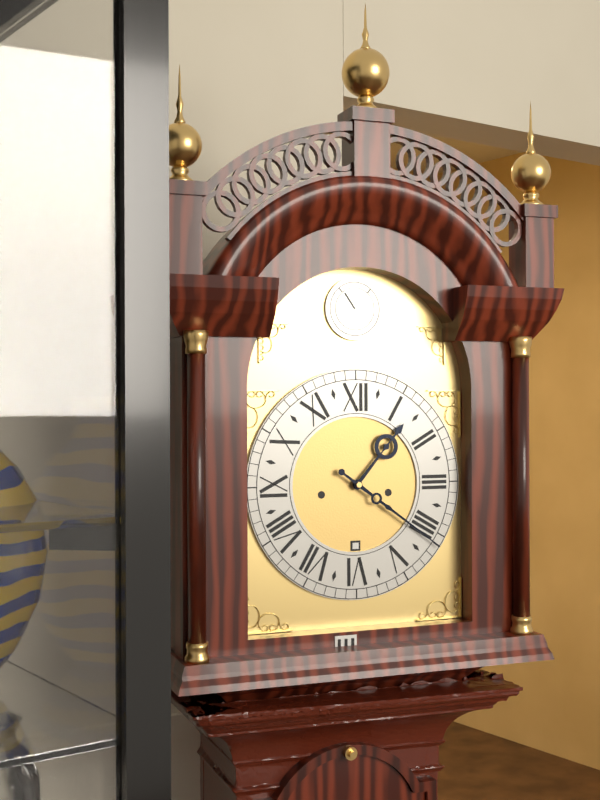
1,21
